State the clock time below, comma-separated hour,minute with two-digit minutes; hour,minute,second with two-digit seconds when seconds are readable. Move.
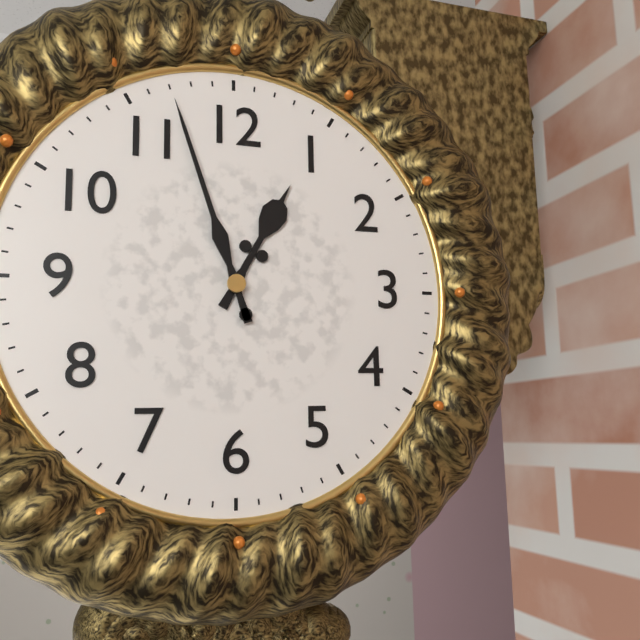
12,57
